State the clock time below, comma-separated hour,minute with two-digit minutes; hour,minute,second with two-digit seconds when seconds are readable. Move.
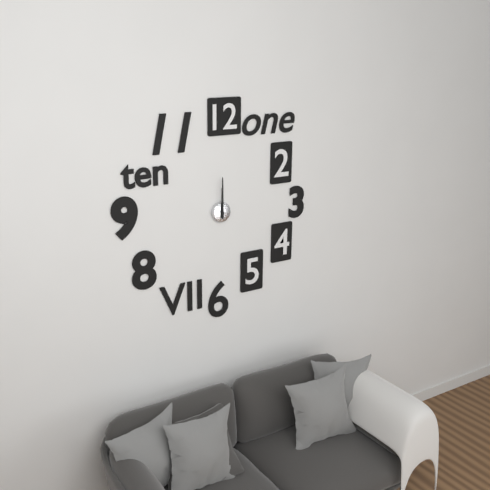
12,00
